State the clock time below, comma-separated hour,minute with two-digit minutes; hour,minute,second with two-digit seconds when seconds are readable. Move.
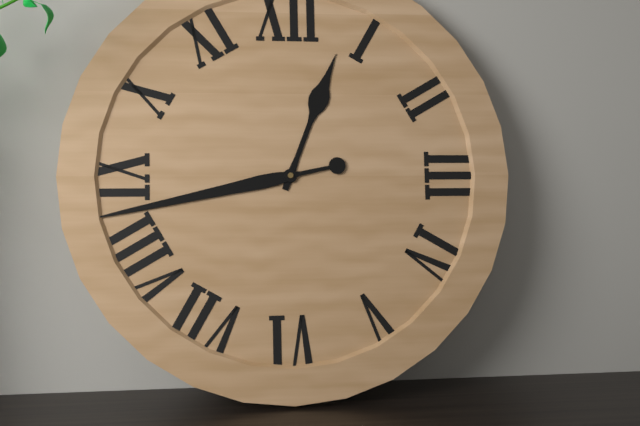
12,43
